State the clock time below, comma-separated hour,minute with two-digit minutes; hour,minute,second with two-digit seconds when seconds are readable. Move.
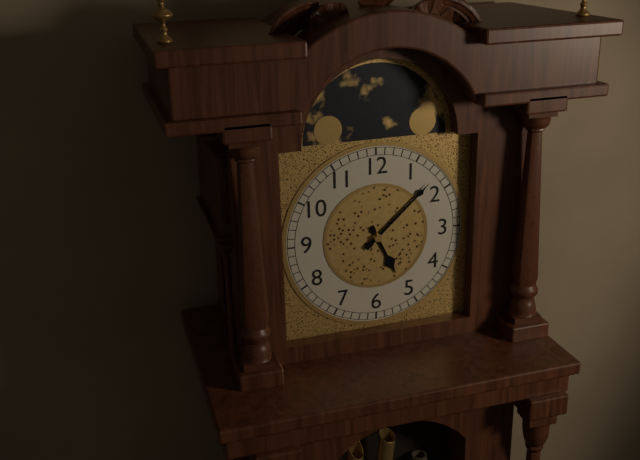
5,08
